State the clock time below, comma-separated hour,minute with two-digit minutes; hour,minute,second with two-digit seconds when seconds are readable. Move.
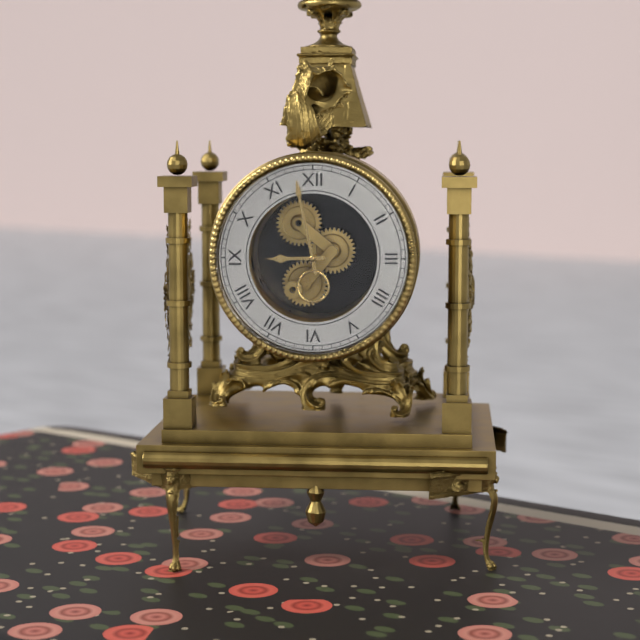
8,58
